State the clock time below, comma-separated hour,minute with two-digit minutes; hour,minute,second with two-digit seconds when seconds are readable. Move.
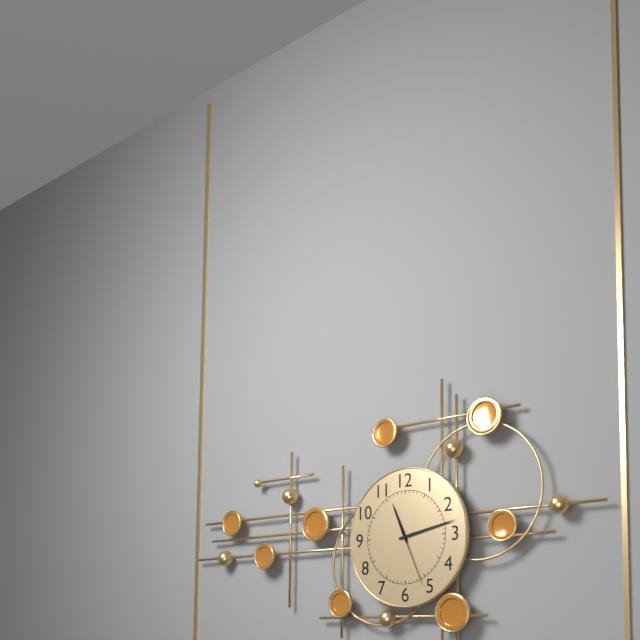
11,13,26
